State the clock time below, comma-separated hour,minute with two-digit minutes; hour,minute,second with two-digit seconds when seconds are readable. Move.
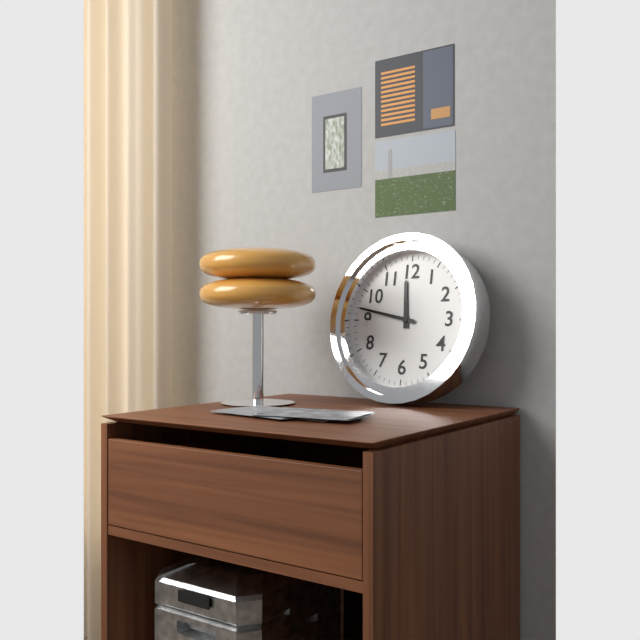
11,47
